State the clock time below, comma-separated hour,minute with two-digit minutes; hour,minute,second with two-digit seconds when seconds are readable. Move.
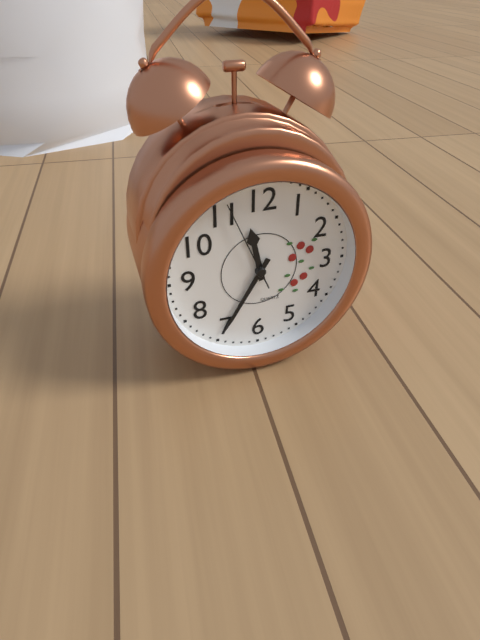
11,35,56
